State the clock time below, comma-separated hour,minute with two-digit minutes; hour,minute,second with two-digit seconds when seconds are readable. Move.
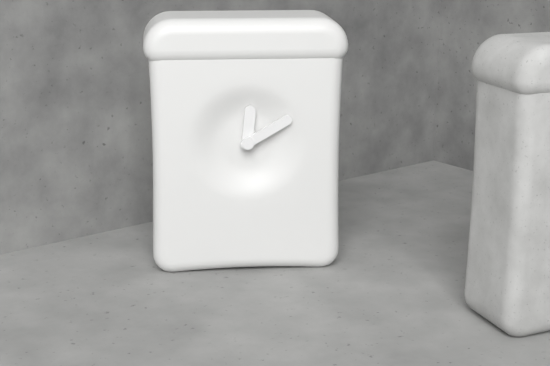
12,10
